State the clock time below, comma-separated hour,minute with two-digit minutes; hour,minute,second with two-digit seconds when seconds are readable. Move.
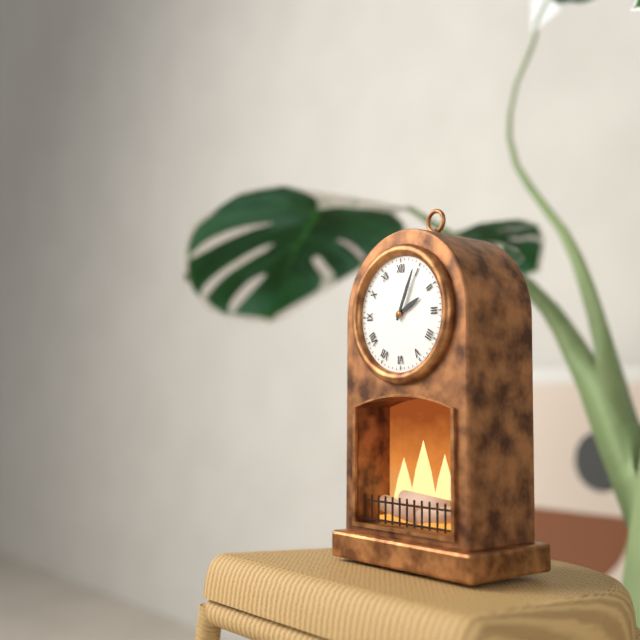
2,04
